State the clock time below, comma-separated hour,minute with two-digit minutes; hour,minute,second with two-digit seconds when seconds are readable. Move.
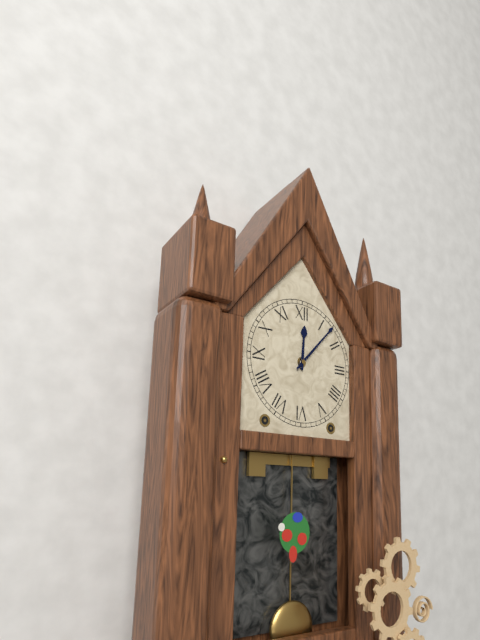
12,07
